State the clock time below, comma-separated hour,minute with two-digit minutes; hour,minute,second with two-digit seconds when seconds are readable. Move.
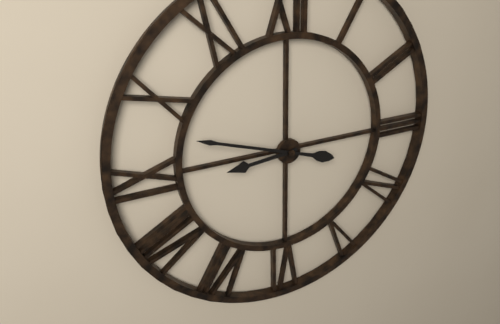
8,48
